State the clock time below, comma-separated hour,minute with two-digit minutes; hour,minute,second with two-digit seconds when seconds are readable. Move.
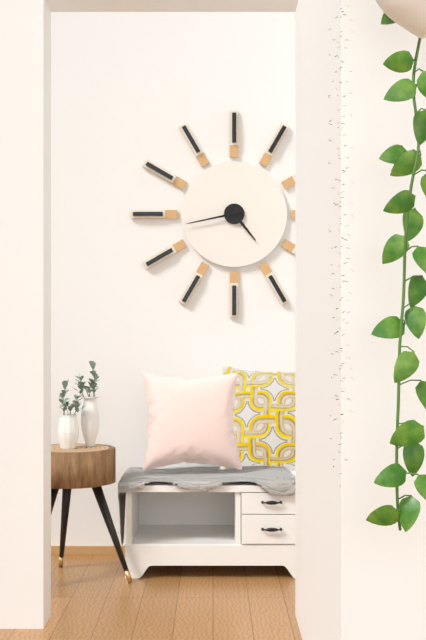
4,43
